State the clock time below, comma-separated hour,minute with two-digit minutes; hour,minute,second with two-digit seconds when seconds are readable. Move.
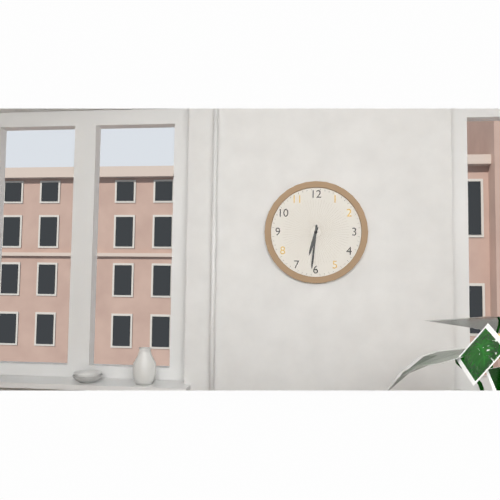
6,31
